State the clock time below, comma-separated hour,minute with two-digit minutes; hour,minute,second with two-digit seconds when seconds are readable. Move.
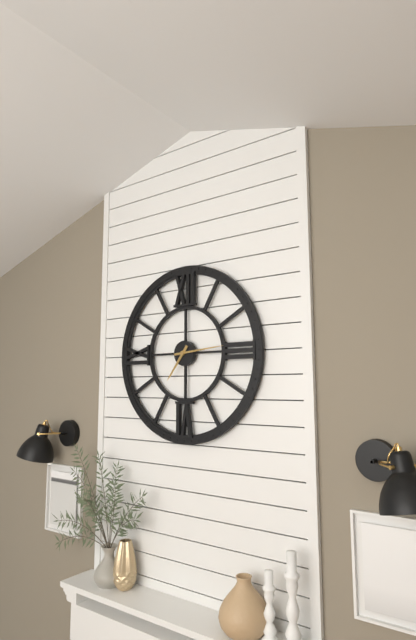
7,14
